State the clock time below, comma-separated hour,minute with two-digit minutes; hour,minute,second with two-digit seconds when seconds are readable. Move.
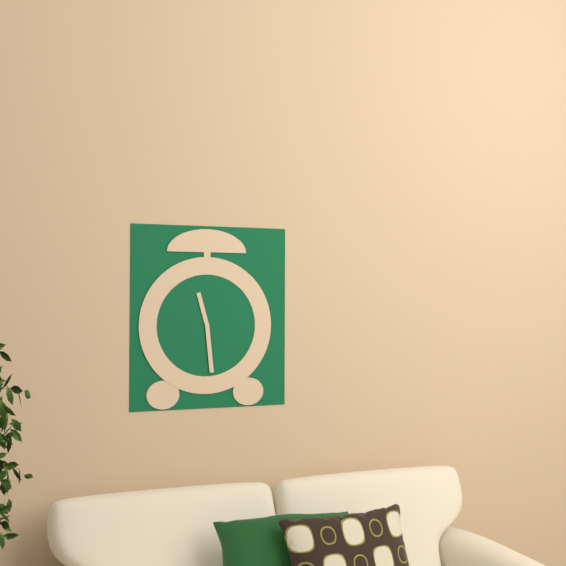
11,29
